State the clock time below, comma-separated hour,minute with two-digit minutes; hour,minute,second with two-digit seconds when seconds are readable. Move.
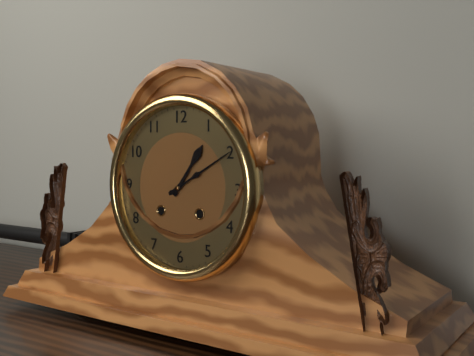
1,10
